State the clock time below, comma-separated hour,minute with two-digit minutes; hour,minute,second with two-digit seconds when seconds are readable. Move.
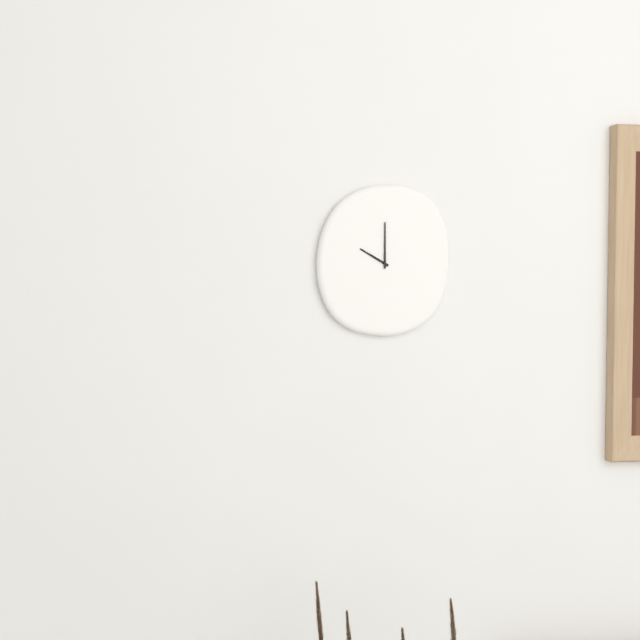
10,00
